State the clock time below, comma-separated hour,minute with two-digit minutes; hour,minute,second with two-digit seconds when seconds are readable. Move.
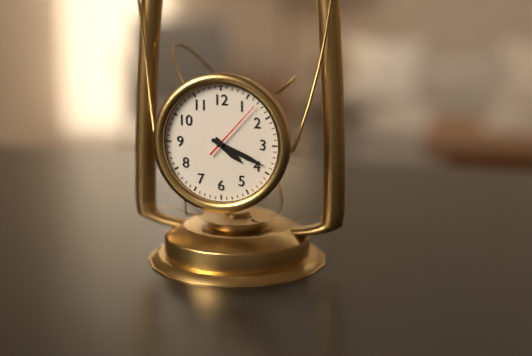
4,19,07
